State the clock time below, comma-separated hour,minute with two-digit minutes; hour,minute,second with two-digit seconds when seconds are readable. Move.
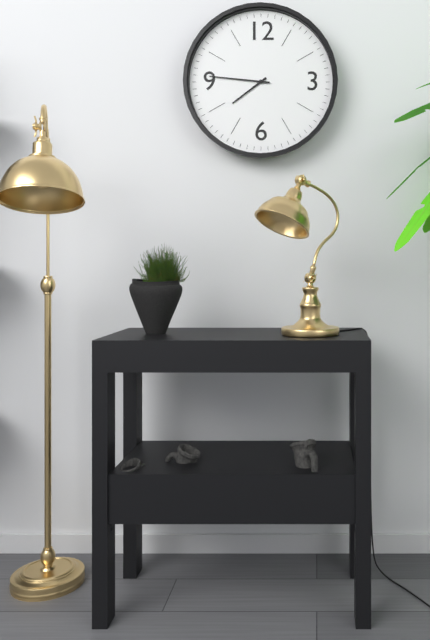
7,46
